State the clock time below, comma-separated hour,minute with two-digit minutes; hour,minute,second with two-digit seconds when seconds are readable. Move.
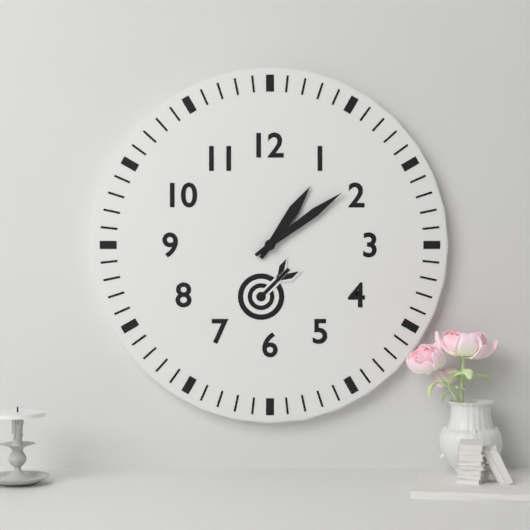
1,09
